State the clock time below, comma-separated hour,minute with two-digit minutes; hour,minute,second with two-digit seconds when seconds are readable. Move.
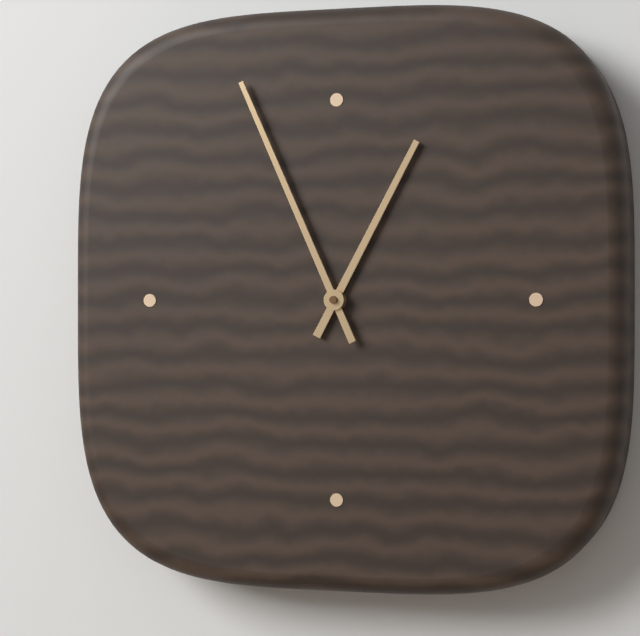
12,56
